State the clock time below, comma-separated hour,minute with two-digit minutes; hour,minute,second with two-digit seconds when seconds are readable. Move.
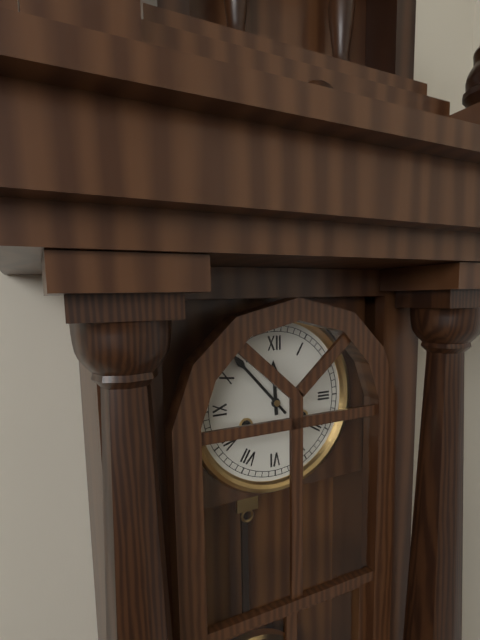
11,53
